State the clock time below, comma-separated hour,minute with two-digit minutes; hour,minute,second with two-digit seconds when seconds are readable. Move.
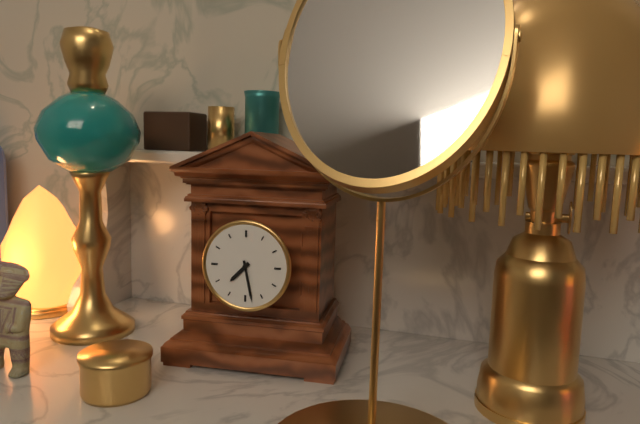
7,28
